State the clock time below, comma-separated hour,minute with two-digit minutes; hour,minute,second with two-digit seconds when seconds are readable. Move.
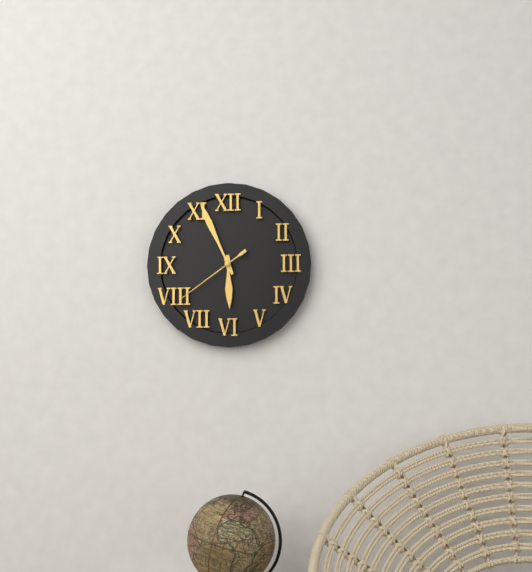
5,56,39
